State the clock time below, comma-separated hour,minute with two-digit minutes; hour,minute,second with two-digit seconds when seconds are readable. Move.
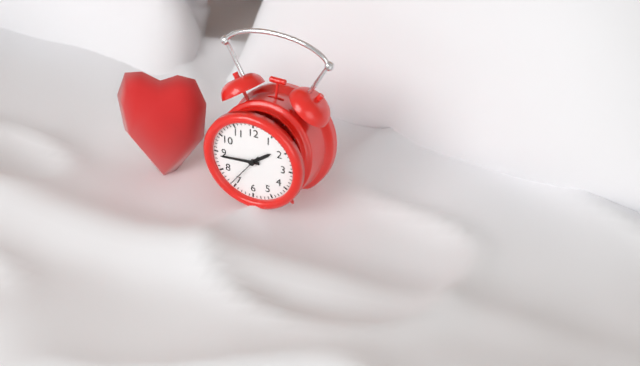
1,44
